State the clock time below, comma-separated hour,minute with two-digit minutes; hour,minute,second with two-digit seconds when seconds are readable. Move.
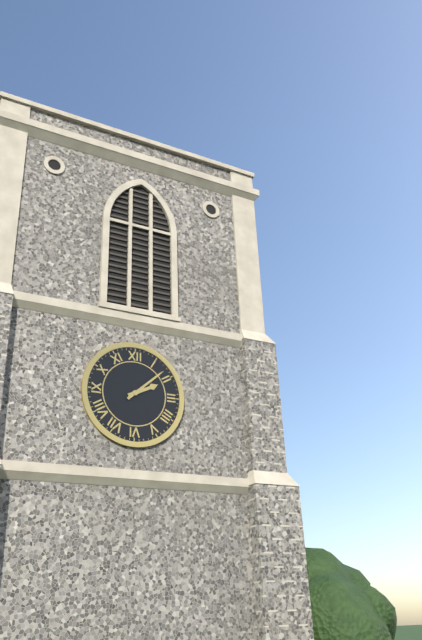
2,08
